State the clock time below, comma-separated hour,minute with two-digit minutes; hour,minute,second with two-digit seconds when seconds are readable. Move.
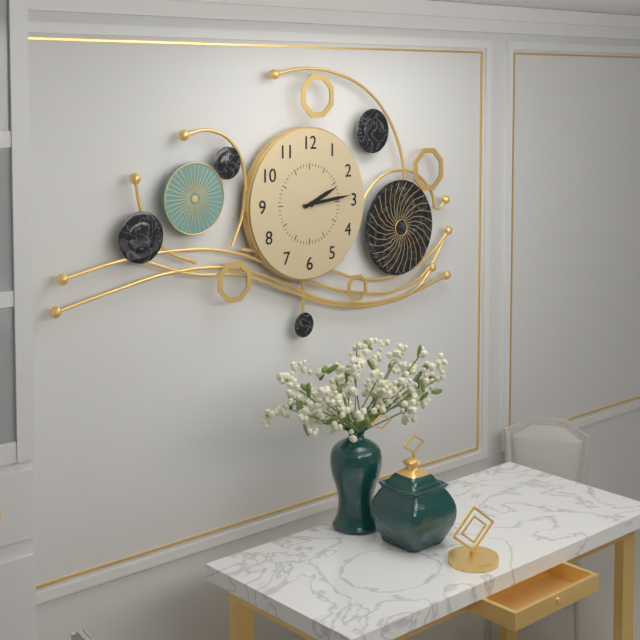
2,14
